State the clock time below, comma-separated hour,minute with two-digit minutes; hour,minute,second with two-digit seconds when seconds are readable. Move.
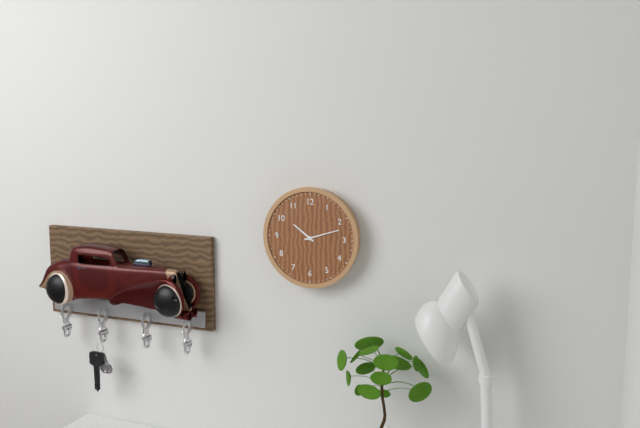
10,12
